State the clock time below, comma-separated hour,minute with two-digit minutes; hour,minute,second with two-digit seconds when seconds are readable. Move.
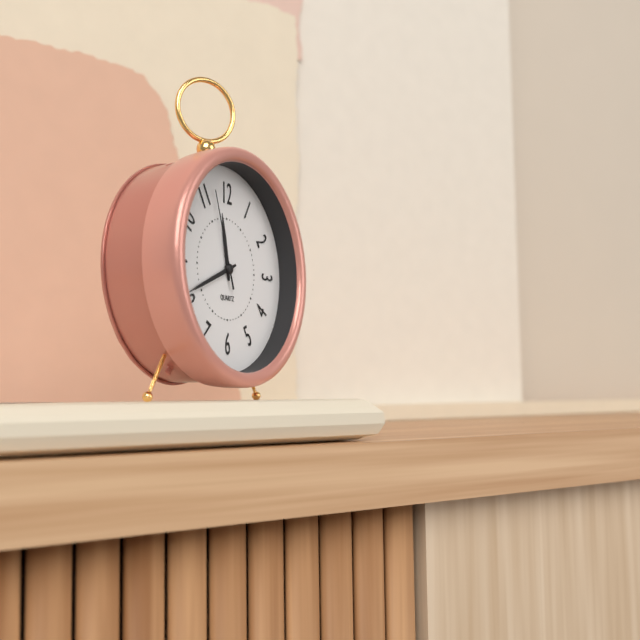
11,41,57
